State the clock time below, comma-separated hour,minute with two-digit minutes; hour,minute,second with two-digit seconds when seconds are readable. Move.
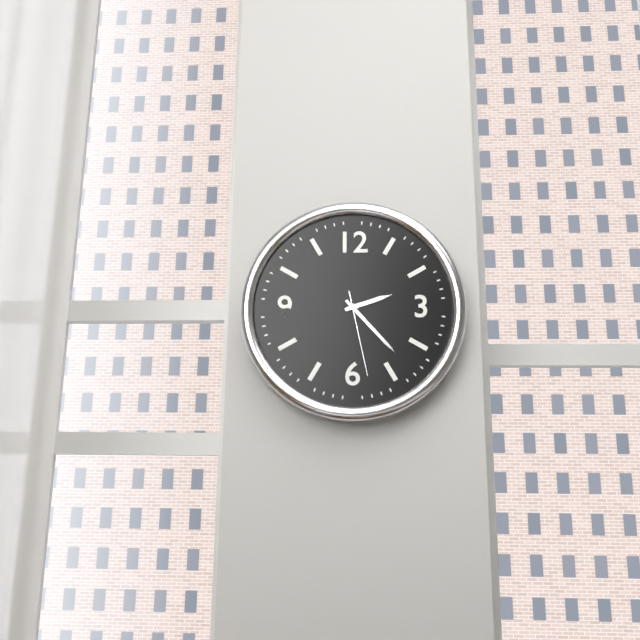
2,23,28
